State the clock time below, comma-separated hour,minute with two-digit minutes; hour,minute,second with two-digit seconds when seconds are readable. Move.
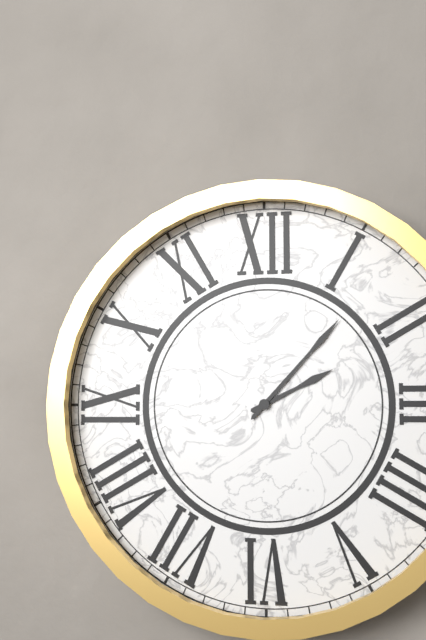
2,07
